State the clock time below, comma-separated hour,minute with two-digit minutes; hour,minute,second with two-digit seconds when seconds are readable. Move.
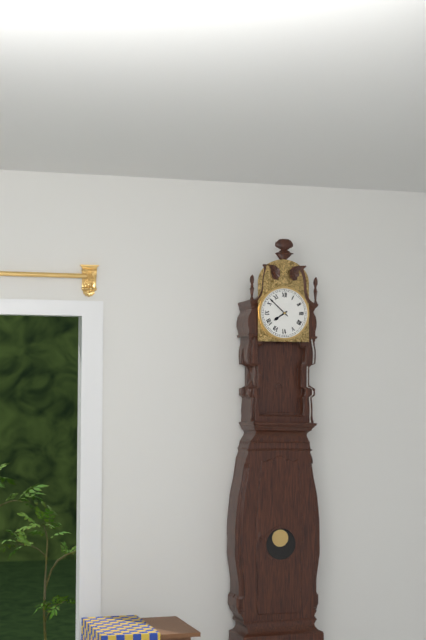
7,52
